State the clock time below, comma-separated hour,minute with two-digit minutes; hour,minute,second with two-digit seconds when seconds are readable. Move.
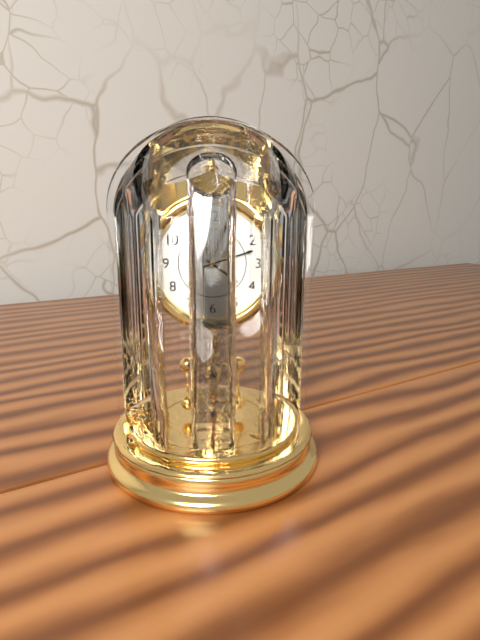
4,12
